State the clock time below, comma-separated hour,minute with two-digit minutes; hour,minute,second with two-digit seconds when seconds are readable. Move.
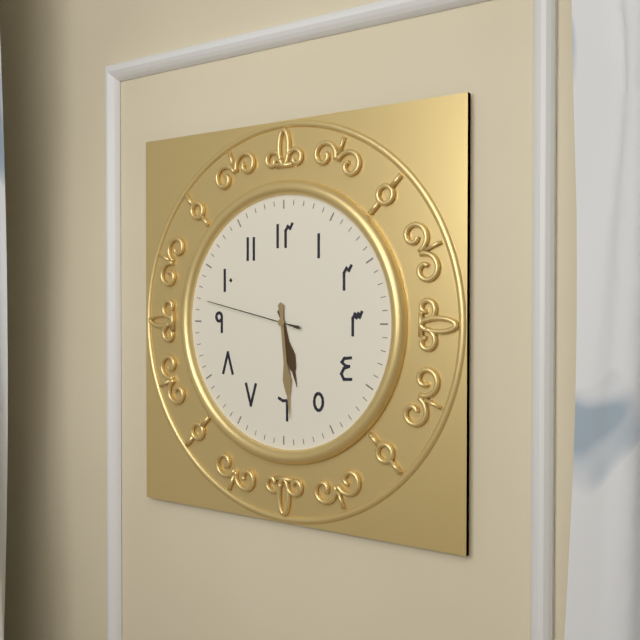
5,29,47
